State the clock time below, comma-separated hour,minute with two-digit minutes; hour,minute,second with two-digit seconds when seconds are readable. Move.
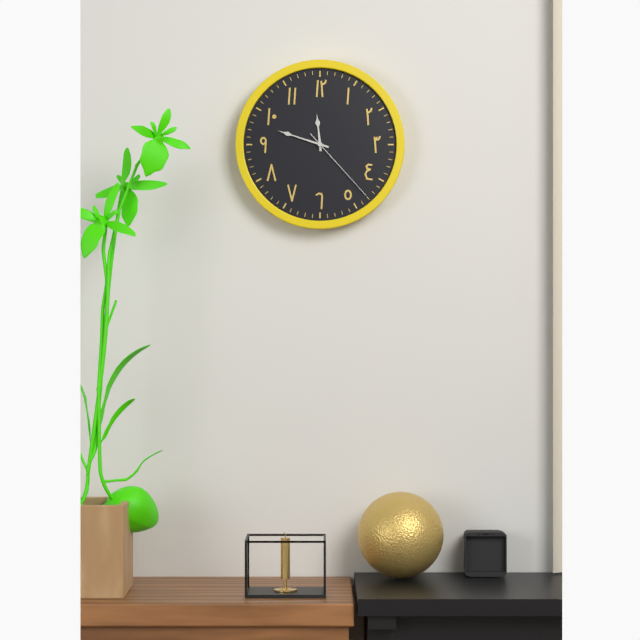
11,48,23
